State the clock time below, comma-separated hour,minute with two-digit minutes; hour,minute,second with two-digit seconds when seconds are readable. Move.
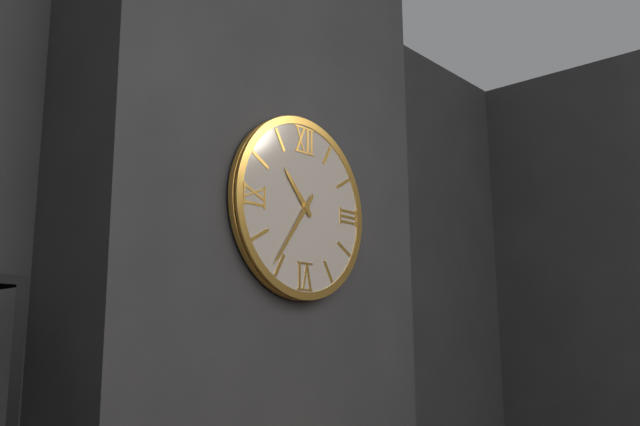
10,36
